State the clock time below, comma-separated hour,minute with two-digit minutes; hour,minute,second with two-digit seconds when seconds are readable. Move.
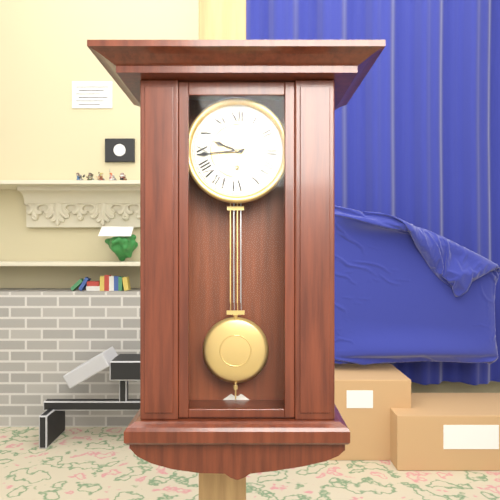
9,44
